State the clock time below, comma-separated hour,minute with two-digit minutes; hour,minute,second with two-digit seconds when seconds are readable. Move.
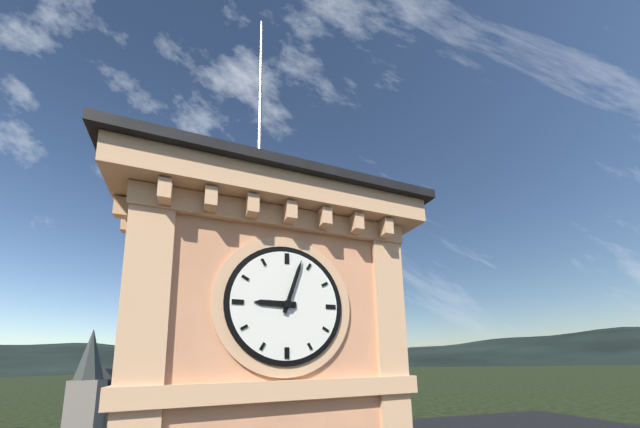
9,03
